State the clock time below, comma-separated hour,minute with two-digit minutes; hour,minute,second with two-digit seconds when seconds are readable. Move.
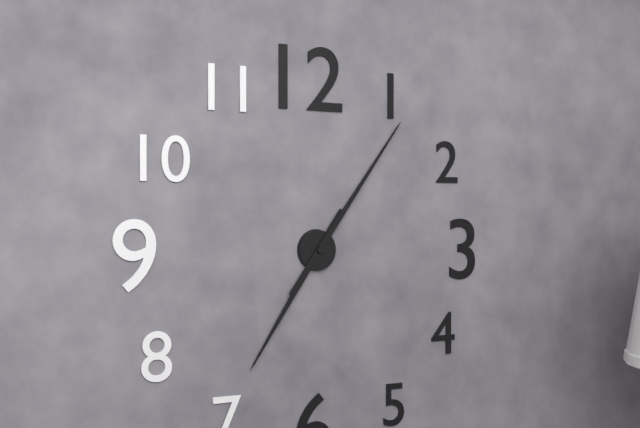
7,06
